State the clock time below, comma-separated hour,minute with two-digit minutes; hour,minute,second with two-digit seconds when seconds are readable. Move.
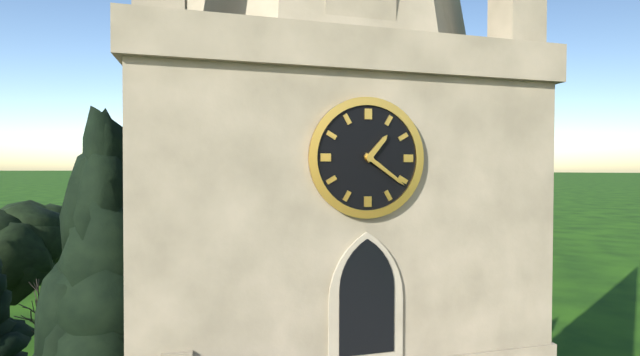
1,21
